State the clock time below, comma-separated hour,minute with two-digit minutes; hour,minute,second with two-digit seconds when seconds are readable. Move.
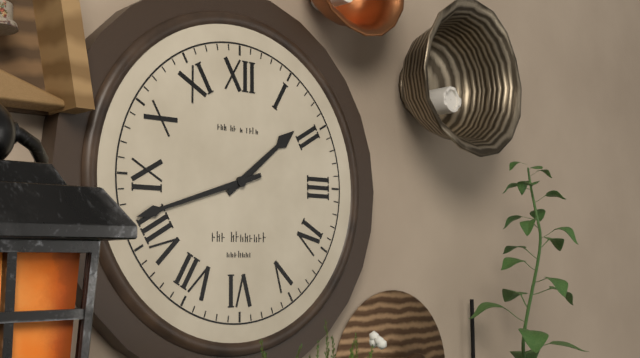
1,42
